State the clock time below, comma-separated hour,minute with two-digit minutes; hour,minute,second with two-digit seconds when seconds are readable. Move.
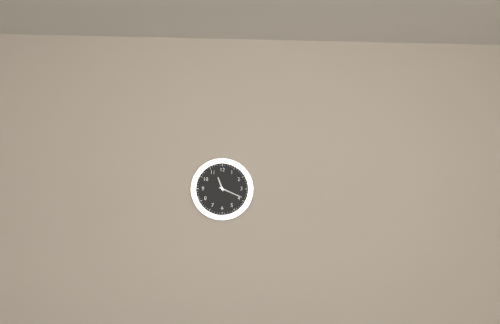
11,19
